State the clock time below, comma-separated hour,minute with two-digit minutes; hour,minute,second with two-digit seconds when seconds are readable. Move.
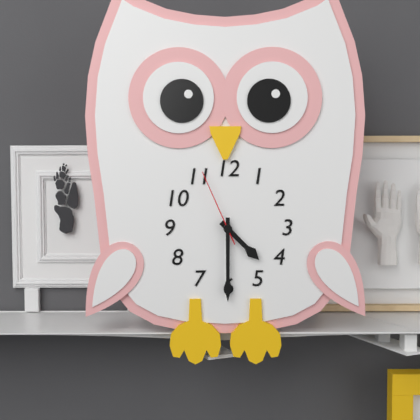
4,30,56
